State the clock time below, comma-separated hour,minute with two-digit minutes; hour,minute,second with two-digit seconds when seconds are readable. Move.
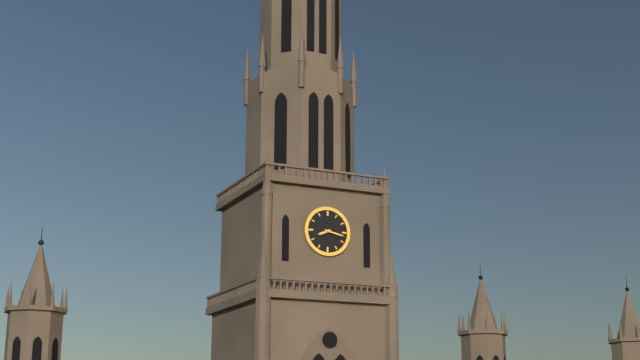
8,17
